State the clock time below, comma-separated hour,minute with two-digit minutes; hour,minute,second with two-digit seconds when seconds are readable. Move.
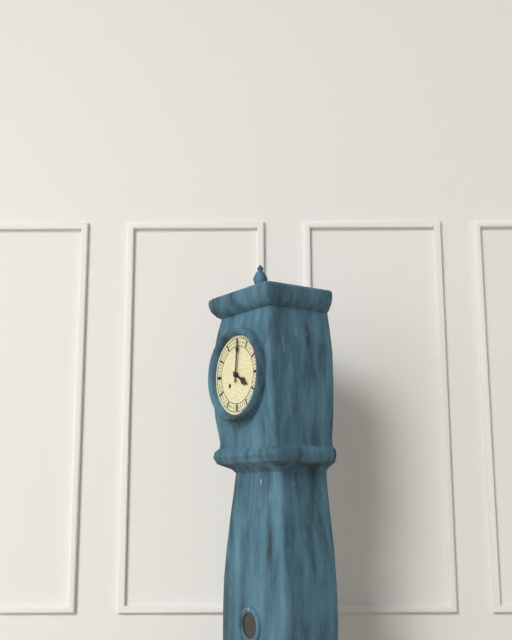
4,01
